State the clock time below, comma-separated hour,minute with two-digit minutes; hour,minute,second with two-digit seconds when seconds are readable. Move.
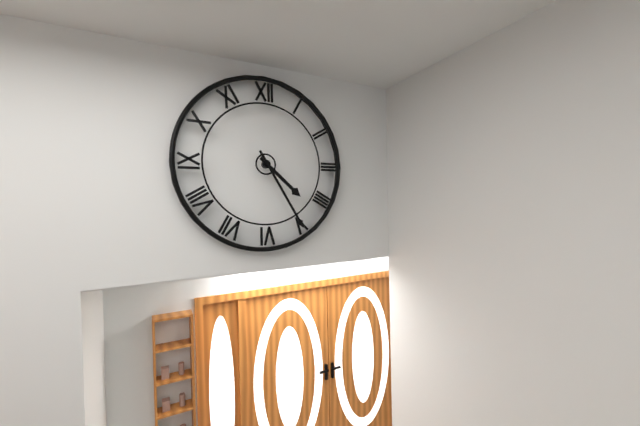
4,25
